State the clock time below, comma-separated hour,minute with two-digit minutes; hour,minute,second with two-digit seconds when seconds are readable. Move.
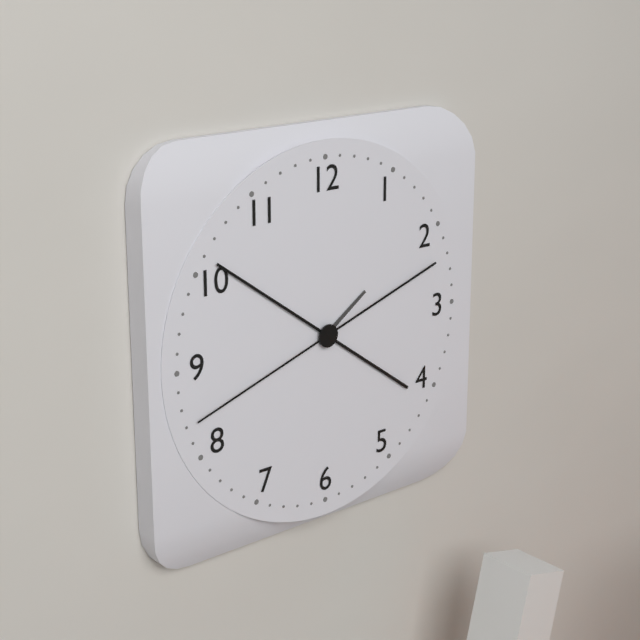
1,51,42
